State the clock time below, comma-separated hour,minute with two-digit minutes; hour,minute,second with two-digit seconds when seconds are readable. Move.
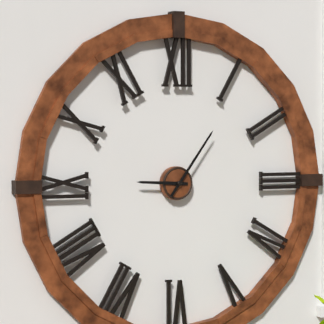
9,06
